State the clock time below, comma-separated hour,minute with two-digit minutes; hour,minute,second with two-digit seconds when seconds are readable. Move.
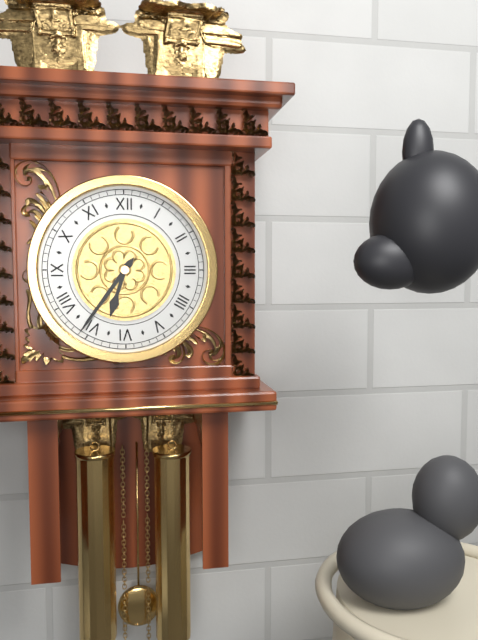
6,36
